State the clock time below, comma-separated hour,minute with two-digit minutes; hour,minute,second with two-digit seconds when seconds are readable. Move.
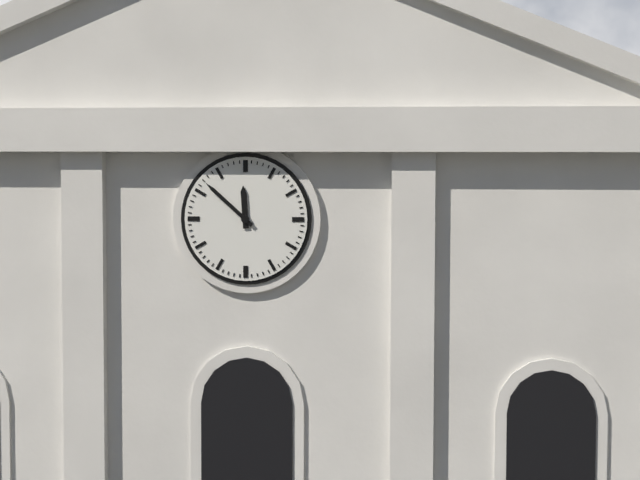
11,52
